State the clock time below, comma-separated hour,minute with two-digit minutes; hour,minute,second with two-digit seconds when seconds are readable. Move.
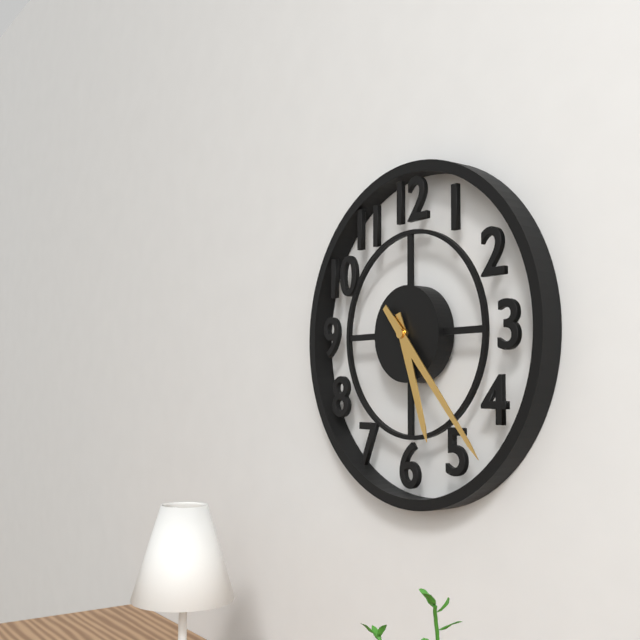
5,23
